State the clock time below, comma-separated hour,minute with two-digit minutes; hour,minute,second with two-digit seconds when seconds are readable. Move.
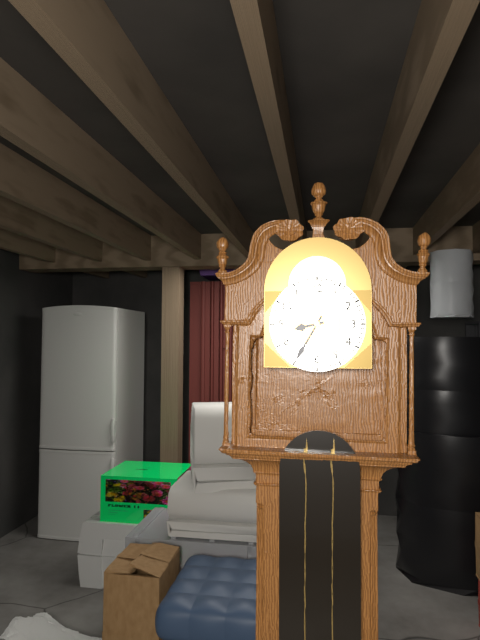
8,35
